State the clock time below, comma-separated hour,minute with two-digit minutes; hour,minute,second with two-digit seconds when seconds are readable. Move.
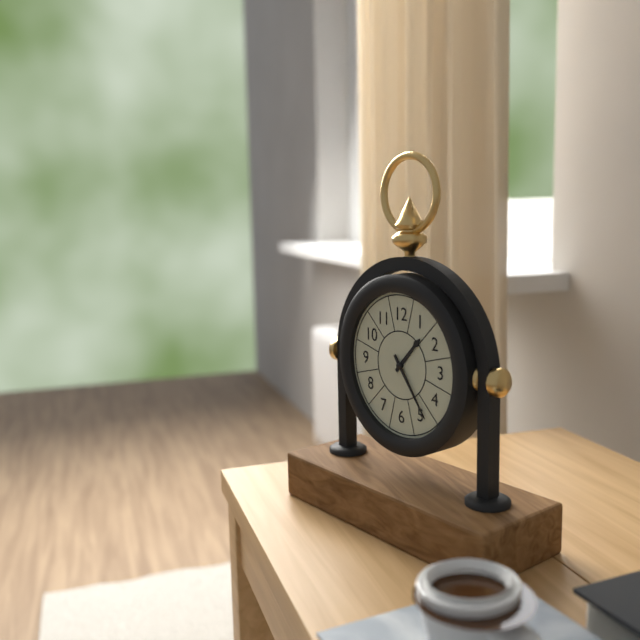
1,24
